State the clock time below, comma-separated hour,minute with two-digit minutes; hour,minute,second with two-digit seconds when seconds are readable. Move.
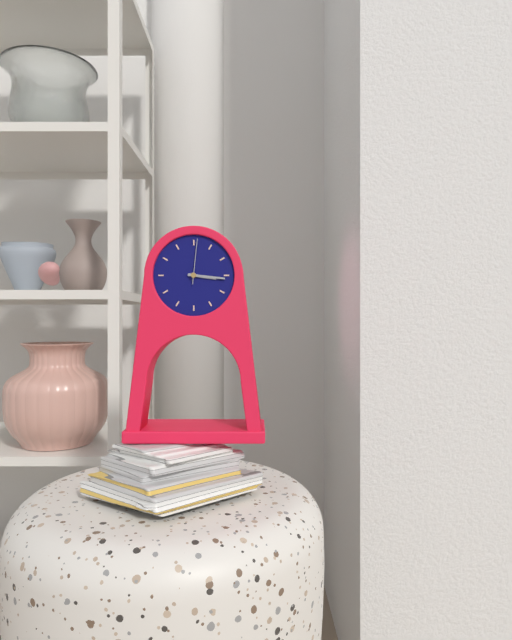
3,16
